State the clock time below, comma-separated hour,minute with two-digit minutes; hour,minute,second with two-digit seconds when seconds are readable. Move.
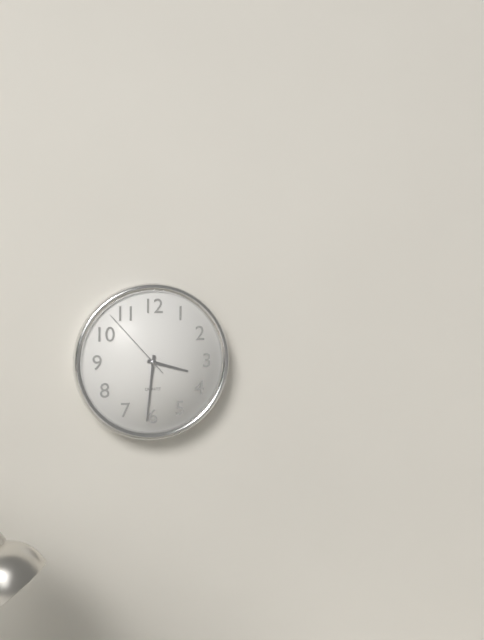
3,31,53
